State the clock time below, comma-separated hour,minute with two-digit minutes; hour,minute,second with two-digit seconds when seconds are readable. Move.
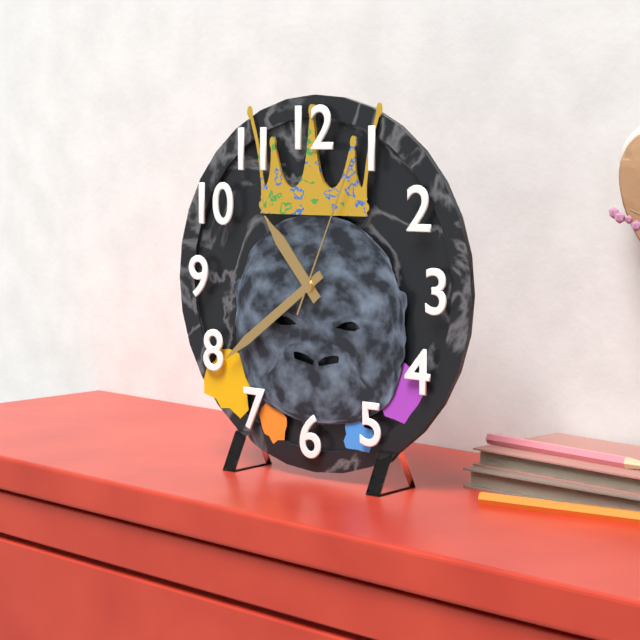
10,39,04
